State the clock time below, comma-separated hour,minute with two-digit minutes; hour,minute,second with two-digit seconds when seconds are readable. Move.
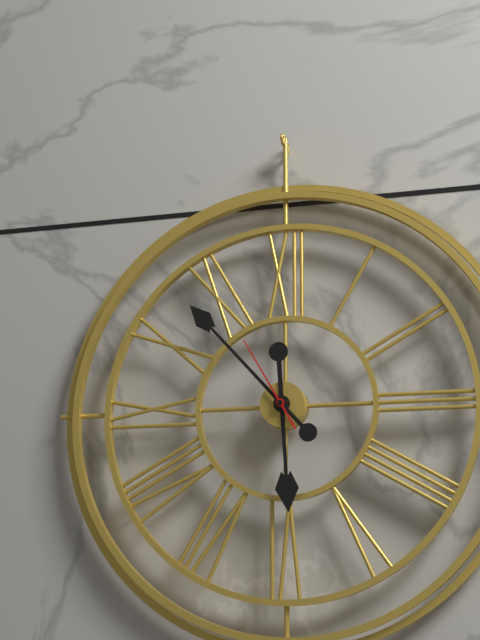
5,53,55
